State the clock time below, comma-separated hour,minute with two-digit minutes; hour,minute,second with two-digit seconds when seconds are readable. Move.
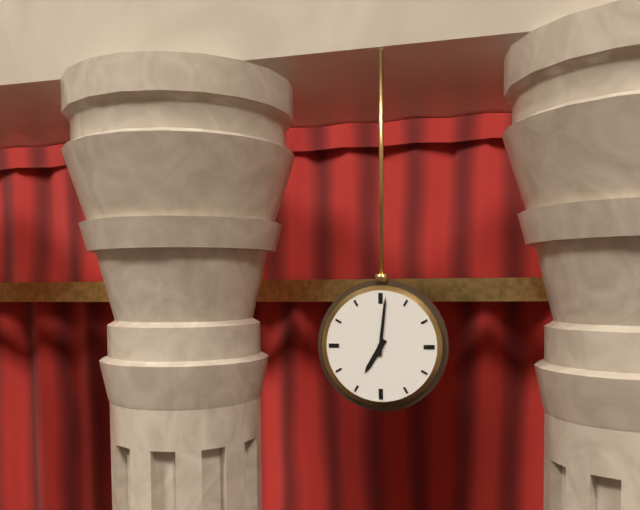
7,01
